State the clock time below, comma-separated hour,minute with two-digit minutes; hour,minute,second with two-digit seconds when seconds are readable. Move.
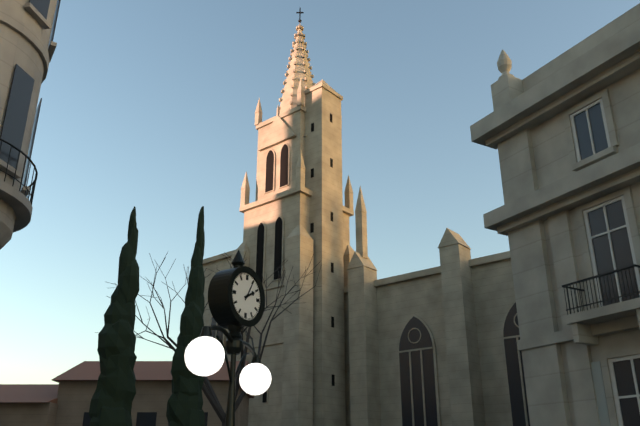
2,05
